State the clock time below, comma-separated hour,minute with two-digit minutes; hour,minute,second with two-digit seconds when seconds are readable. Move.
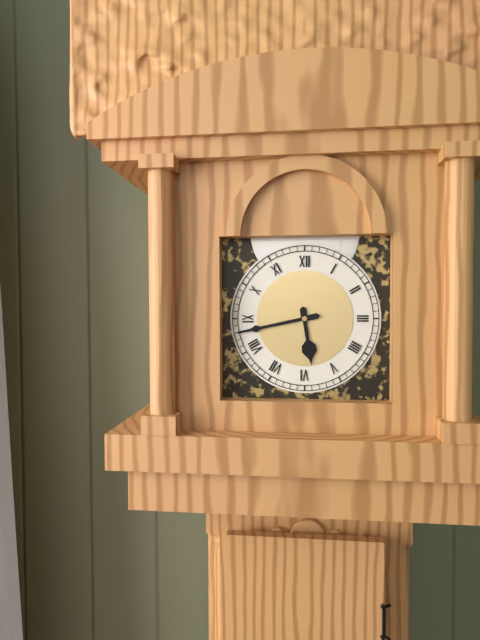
5,43
